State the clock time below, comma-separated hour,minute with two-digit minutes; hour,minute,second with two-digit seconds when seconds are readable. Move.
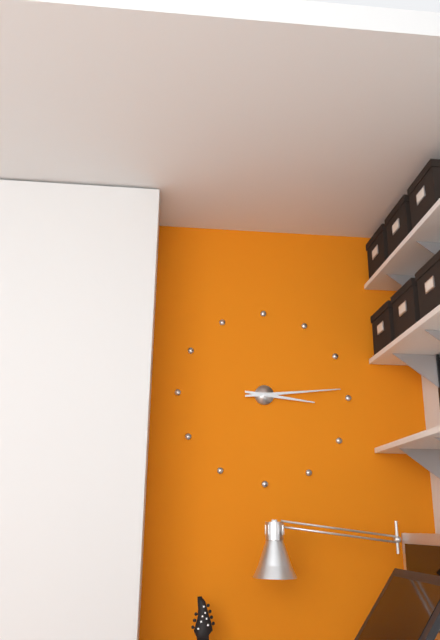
3,14
